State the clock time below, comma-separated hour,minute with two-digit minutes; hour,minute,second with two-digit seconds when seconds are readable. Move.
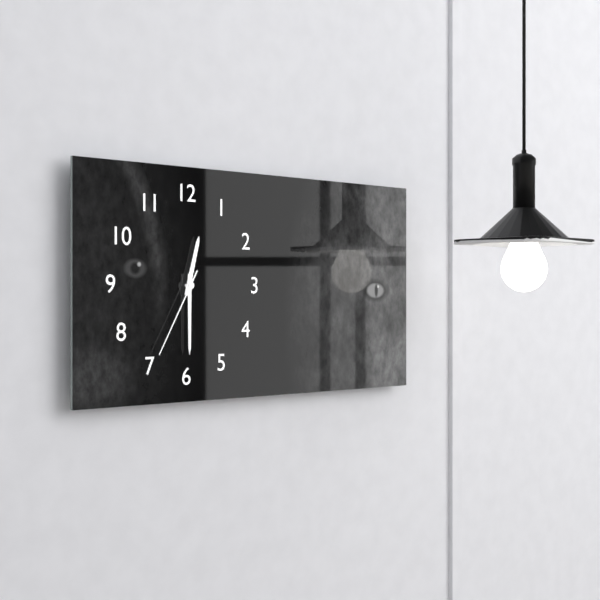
12,30,35
